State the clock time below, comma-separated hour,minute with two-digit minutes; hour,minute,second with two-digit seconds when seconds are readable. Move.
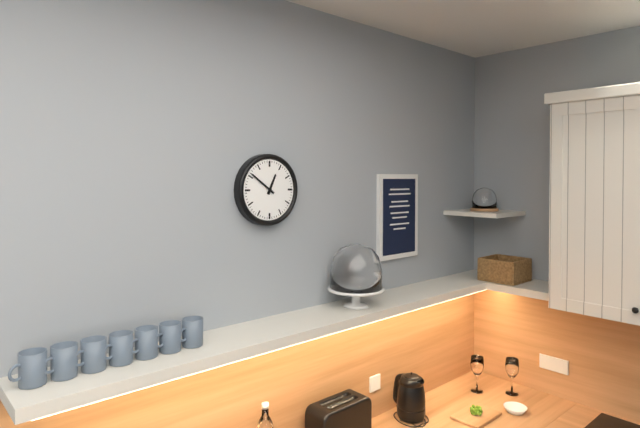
12,51
